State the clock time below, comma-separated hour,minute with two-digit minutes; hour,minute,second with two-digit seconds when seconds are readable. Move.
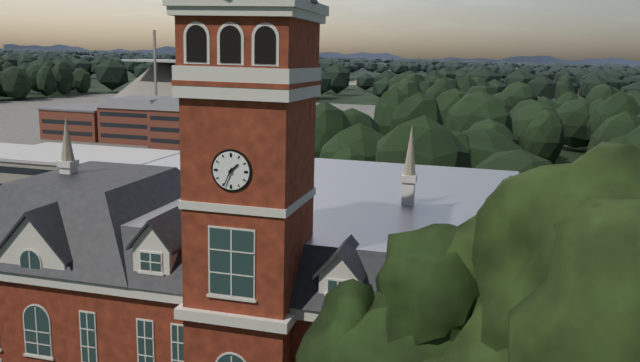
1,34
